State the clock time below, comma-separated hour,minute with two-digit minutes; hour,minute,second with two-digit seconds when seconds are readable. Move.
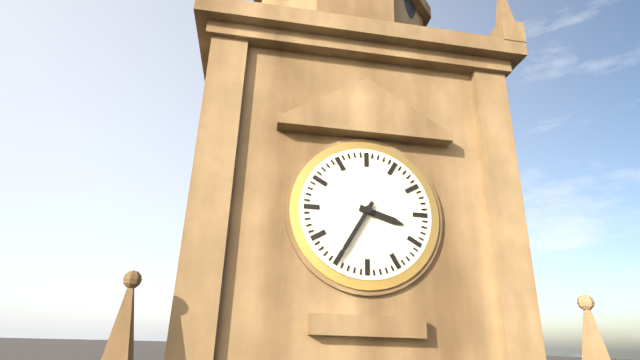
3,35
